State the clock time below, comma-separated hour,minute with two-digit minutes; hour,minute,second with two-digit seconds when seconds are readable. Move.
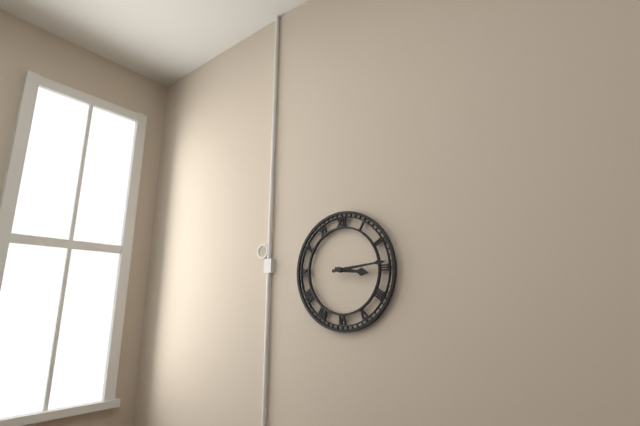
3,14
